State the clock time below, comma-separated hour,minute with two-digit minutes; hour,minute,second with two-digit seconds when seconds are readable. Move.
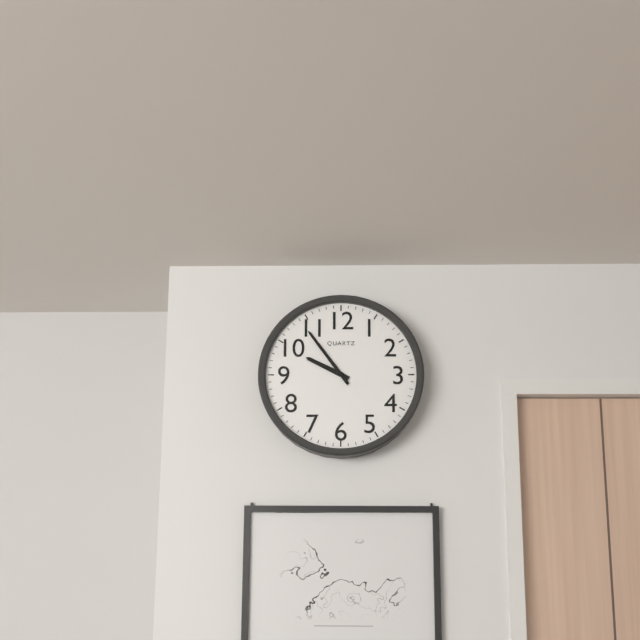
9,54
